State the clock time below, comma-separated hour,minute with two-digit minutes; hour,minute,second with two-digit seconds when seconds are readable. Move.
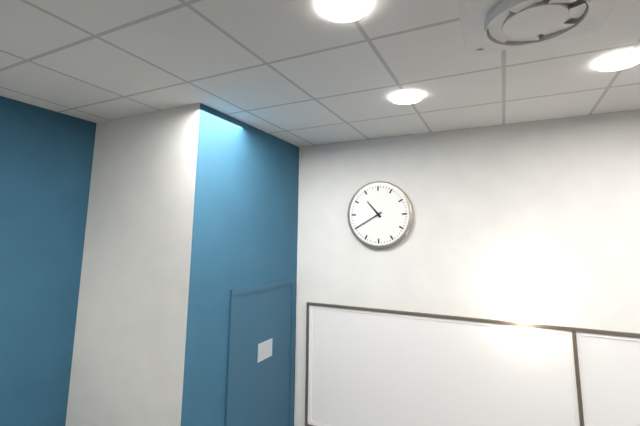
10,40
